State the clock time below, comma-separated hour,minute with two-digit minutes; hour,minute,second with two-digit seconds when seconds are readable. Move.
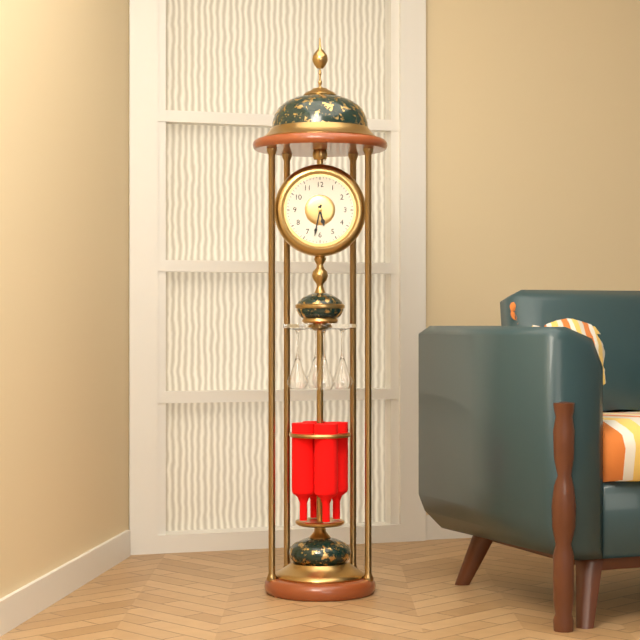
5,32
